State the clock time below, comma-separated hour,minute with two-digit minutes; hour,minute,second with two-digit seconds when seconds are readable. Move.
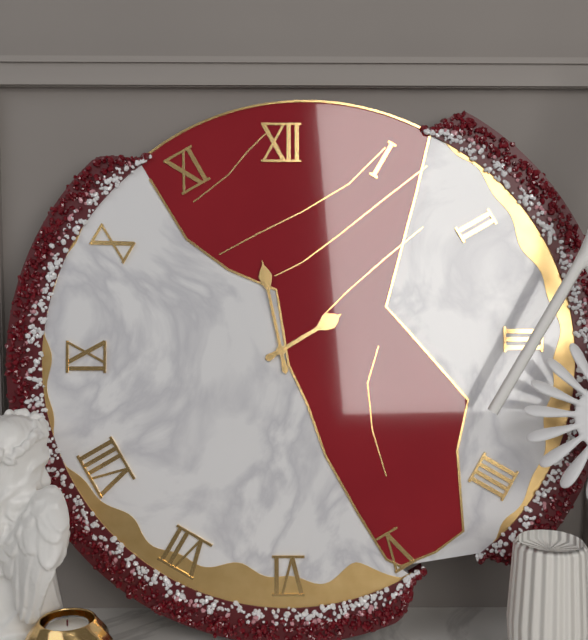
1,58
